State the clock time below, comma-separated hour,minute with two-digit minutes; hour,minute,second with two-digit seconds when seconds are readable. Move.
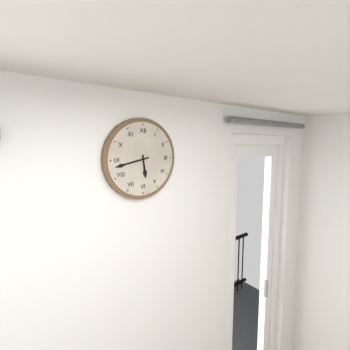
5,43
